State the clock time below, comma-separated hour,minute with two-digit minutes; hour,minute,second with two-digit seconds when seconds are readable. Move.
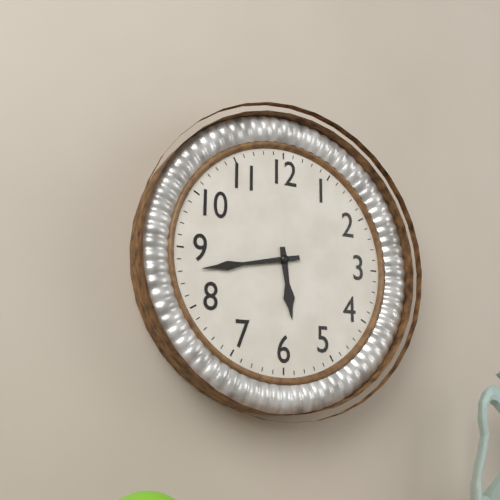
5,43
